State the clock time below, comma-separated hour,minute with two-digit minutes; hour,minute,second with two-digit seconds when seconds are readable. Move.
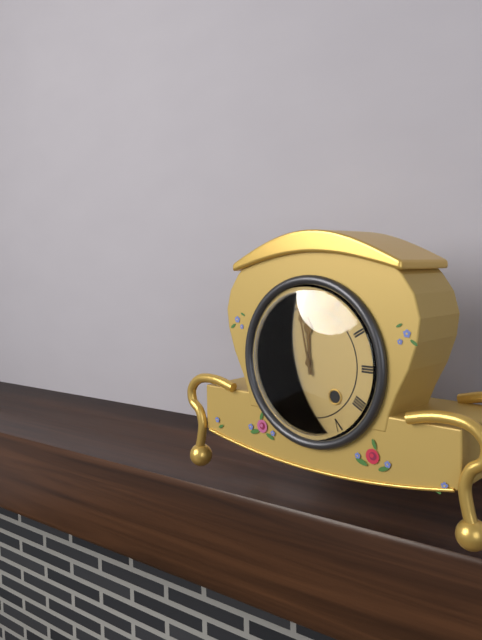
11,58
